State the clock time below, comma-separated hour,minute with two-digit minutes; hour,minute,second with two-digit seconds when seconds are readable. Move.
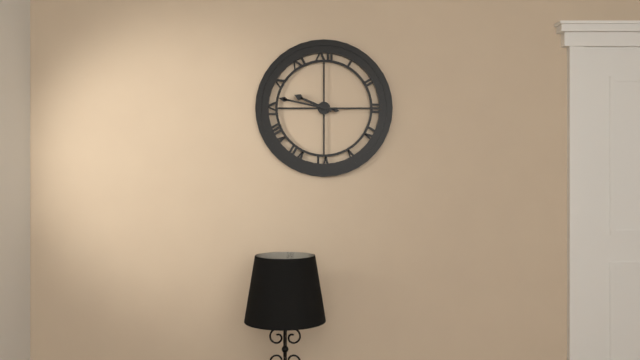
9,47
